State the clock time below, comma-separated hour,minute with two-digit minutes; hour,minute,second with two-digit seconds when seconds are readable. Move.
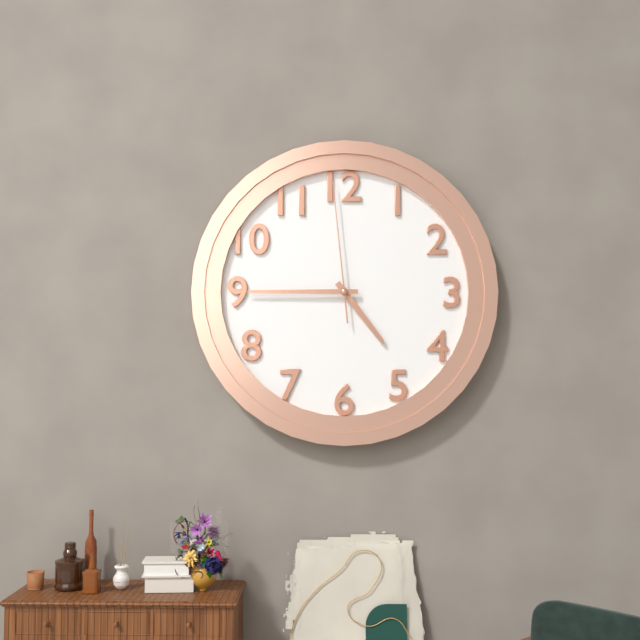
4,45,59
